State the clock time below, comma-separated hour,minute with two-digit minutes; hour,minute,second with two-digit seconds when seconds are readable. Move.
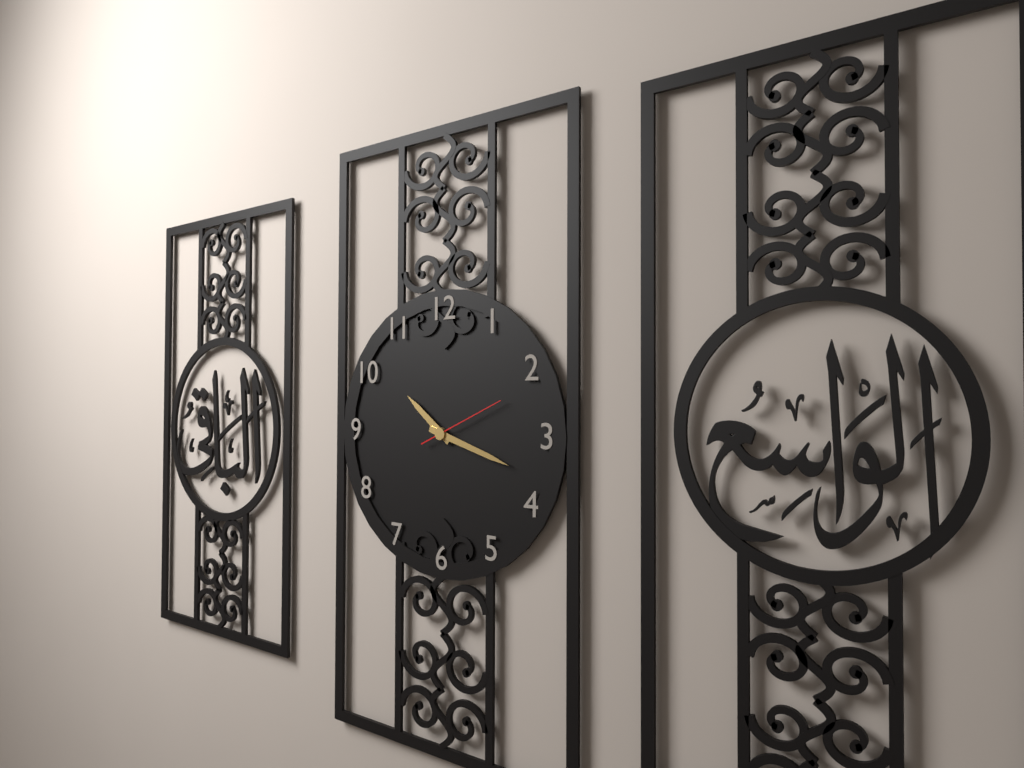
10,18,11
